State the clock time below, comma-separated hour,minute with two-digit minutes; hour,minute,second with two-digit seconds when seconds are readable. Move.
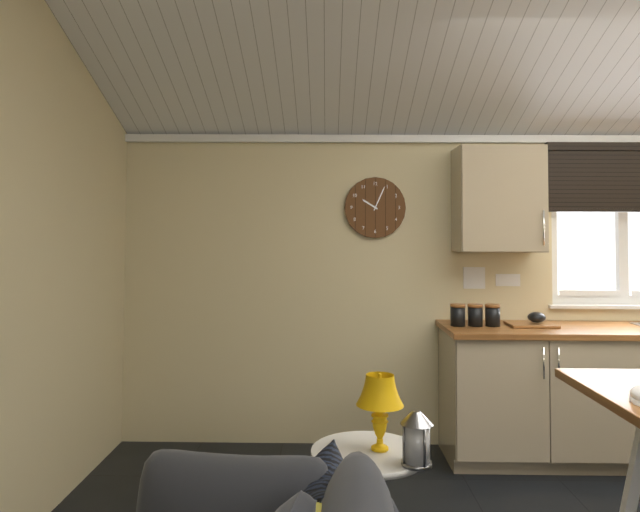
10,04
